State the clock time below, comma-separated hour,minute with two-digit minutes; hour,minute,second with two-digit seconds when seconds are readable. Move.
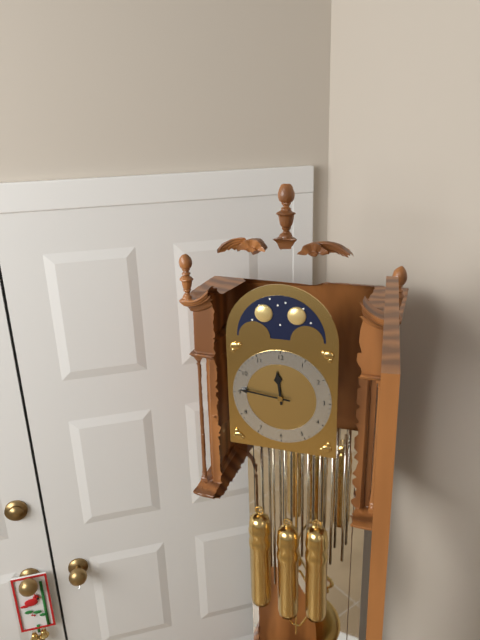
11,46
